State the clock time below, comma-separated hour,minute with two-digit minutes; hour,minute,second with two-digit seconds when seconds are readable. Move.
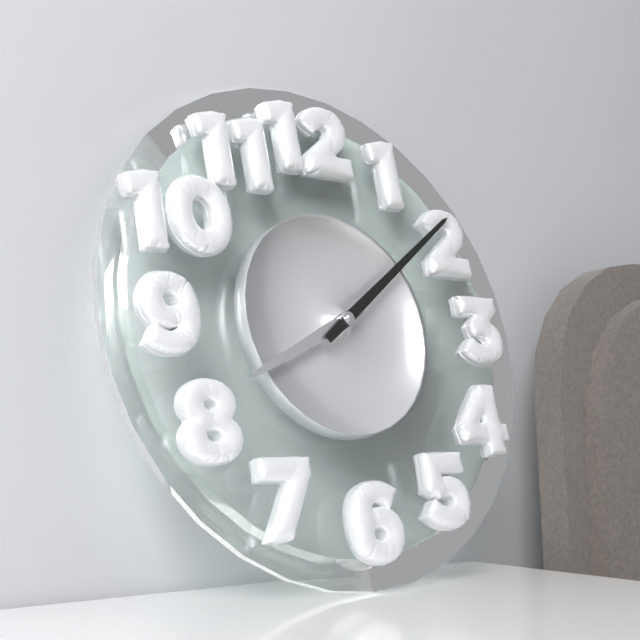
8,09
